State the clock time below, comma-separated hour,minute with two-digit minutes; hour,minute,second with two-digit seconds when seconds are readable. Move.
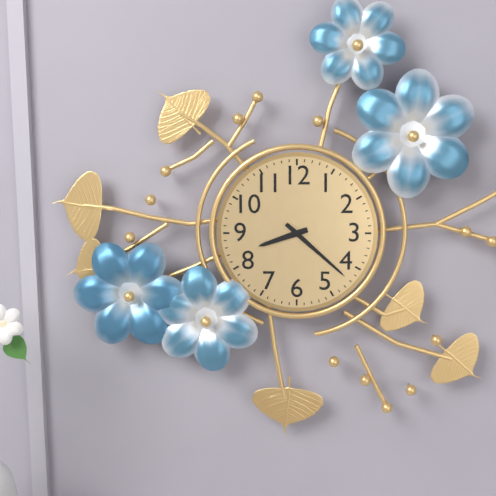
8,22
